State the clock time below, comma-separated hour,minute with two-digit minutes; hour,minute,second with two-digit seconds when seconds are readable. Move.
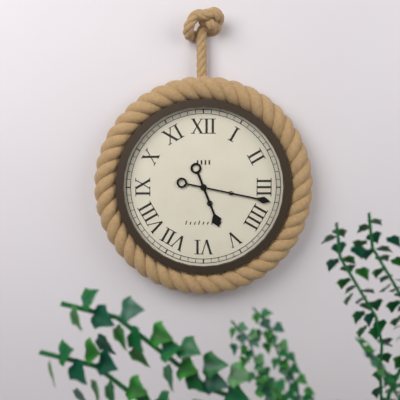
5,17
